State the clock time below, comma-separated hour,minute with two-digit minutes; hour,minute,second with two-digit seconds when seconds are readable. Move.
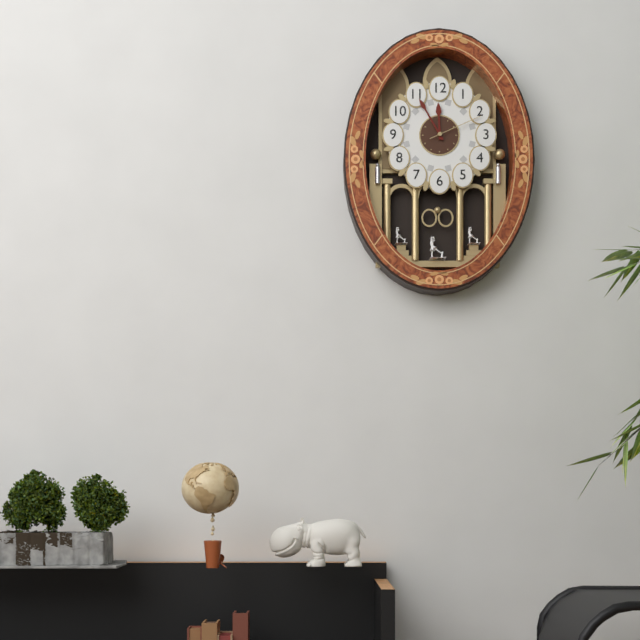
11,55,11
